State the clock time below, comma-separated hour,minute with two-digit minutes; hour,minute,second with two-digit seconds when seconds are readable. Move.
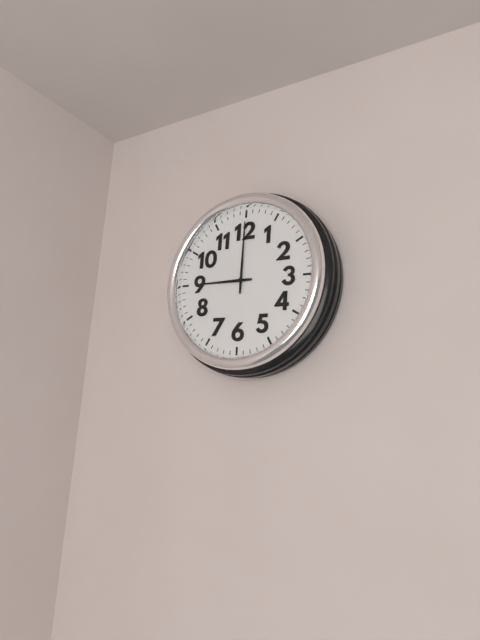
9,00
